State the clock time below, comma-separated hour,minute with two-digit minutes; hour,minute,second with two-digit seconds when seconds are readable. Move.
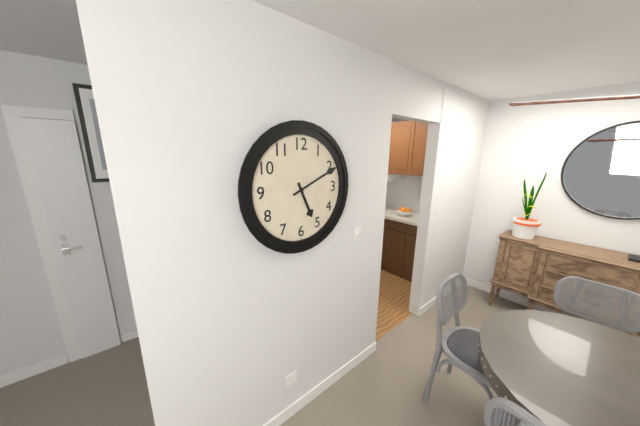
5,11
